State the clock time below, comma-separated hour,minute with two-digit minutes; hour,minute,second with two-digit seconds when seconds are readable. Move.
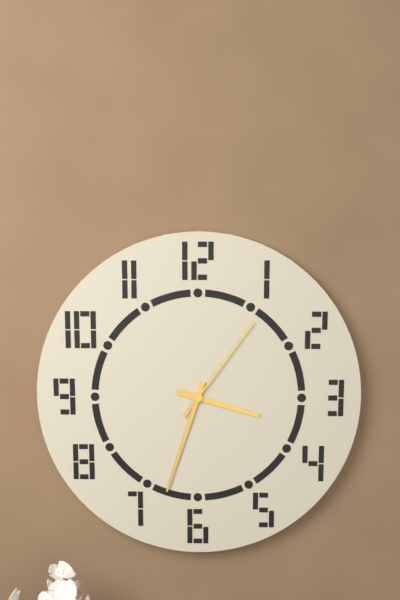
3,33,06
